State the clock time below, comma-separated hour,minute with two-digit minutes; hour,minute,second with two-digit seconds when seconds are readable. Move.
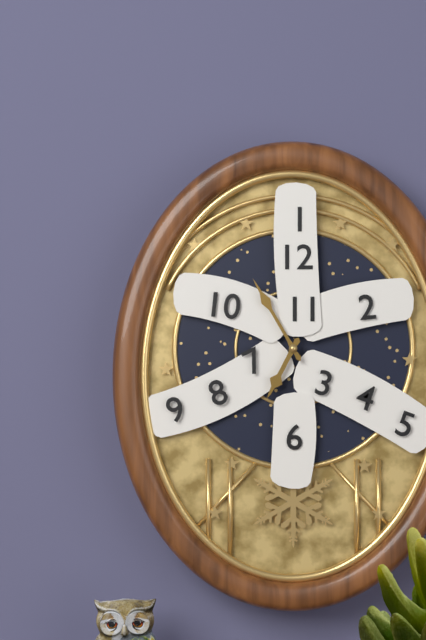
6,55
